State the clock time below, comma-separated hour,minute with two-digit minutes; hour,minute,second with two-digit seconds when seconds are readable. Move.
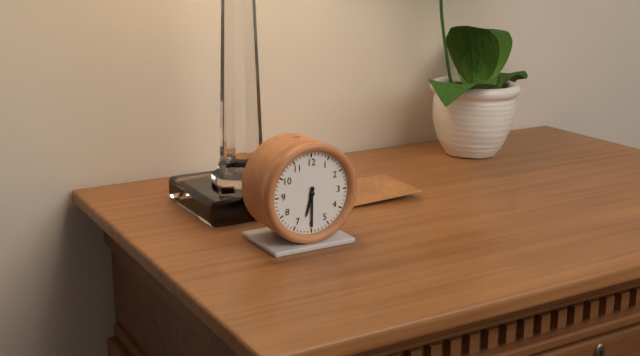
6,30
